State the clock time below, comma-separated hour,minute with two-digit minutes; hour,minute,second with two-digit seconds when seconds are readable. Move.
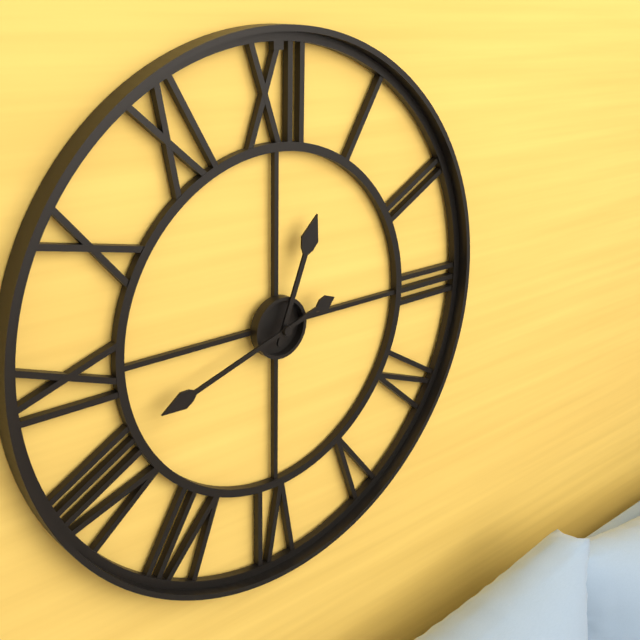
12,42
